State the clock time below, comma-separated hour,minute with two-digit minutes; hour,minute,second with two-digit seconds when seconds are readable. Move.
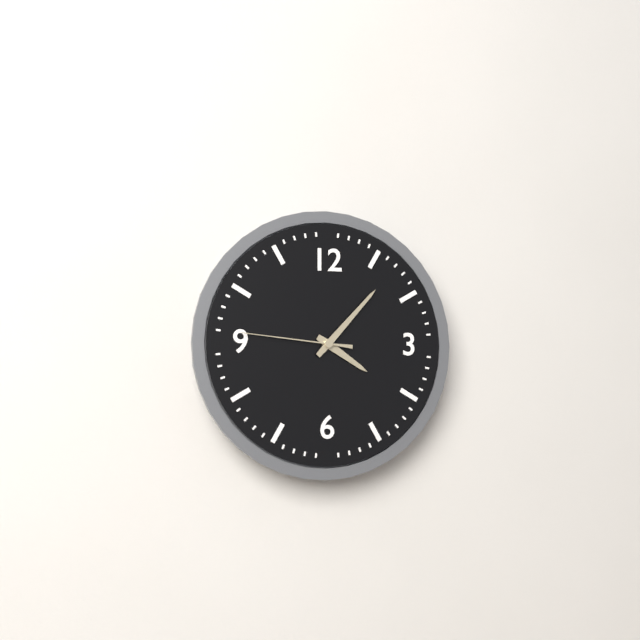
4,07,46
